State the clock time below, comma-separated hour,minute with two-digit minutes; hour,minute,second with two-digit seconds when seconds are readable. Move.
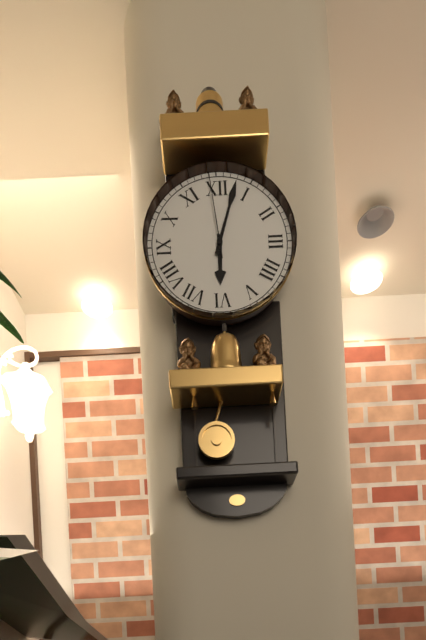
6,03,59
